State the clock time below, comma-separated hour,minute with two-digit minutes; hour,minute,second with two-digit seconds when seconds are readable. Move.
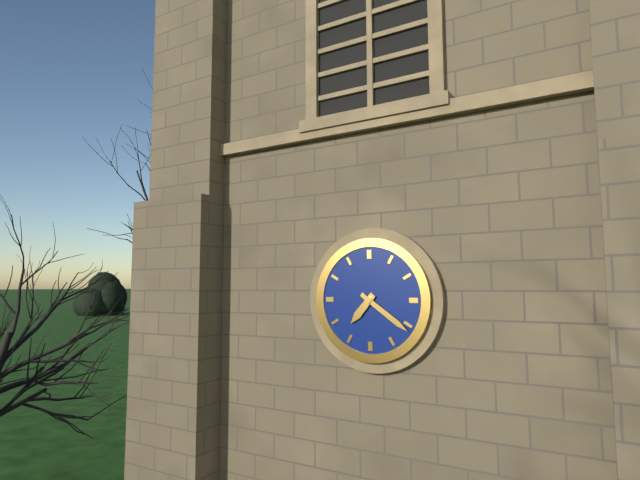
7,21
